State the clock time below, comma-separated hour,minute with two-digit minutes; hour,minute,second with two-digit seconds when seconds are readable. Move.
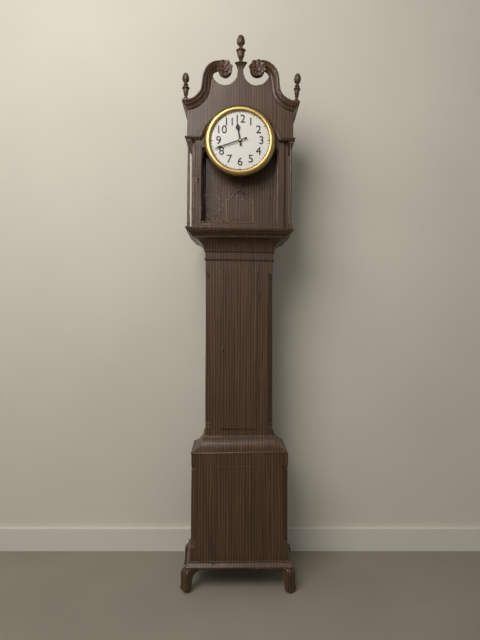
11,42
